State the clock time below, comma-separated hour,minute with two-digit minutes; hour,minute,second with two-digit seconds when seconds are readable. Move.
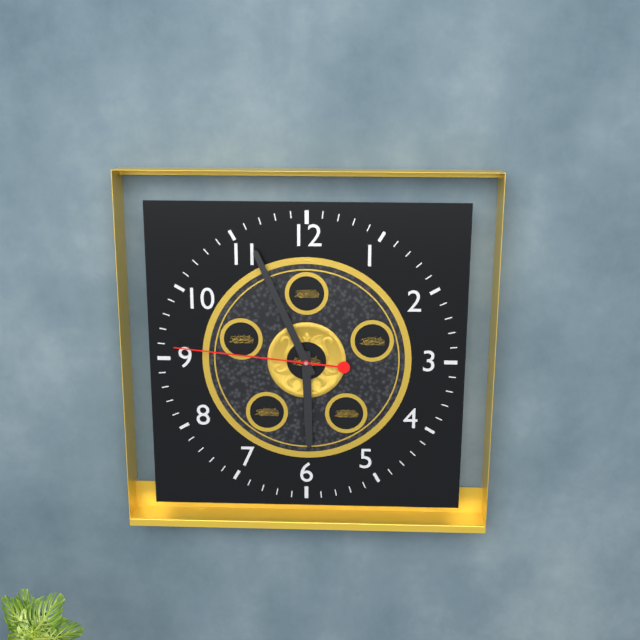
5,56,46
